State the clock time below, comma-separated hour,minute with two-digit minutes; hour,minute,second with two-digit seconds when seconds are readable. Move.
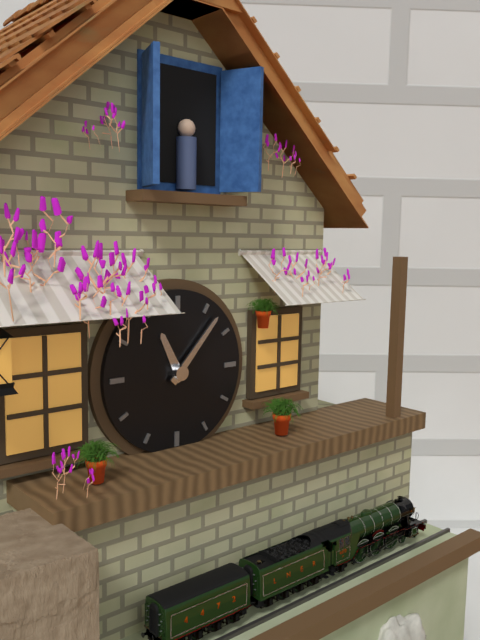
11,07
